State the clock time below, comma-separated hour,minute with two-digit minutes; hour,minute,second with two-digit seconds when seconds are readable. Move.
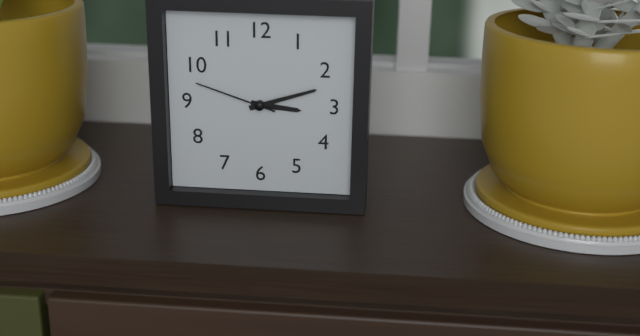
3,12,48
